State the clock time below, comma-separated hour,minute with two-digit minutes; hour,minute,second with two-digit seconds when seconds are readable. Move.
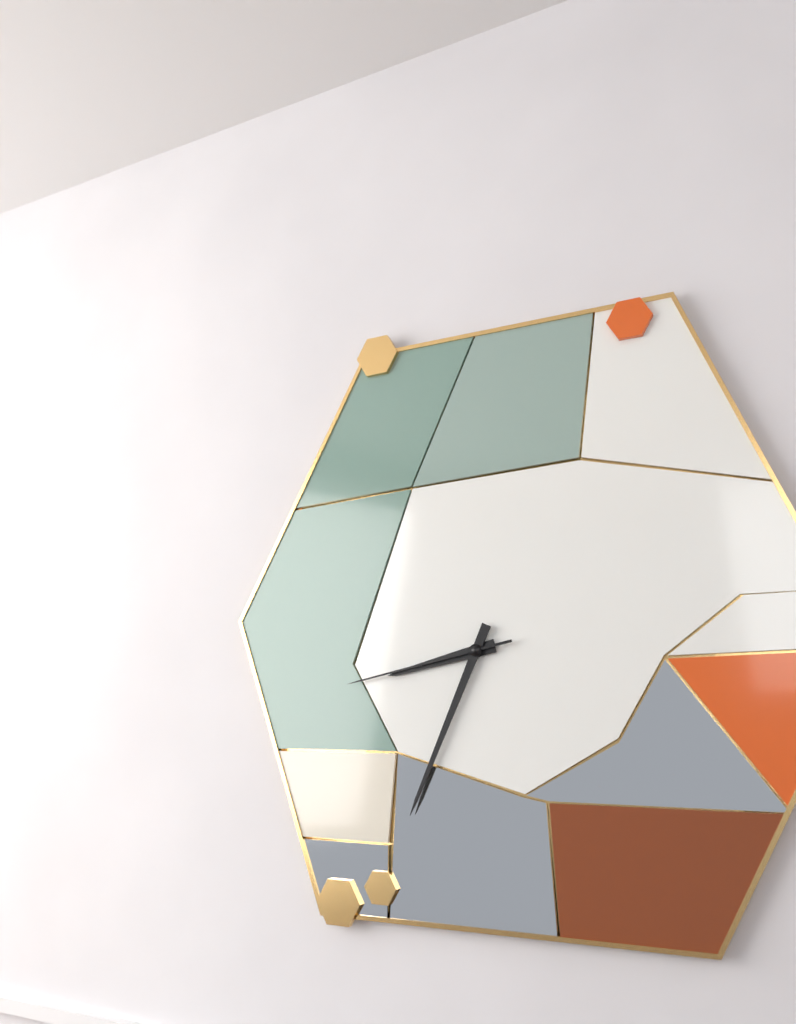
8,34,43
